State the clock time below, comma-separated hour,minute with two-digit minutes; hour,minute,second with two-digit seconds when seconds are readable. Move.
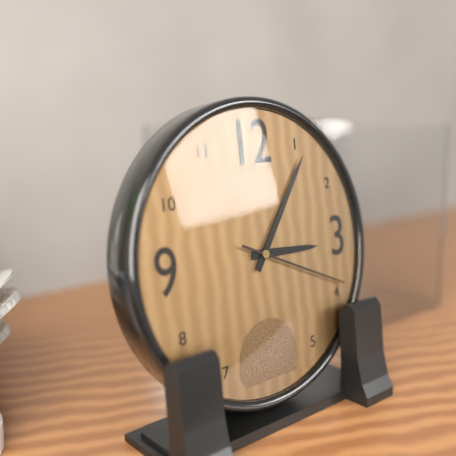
3,06,19
